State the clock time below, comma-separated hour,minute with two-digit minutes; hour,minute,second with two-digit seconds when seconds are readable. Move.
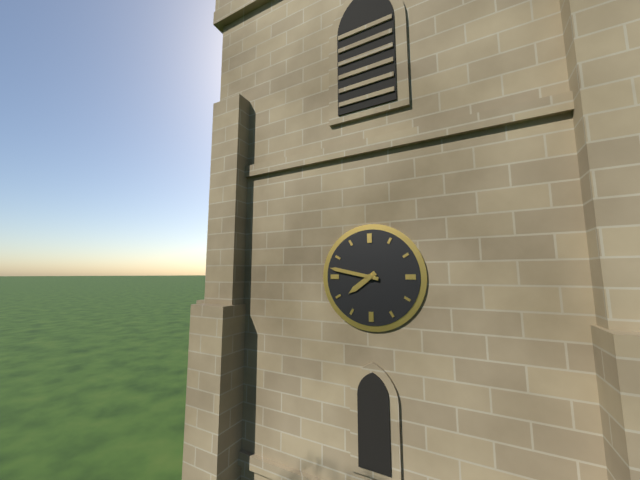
7,47
